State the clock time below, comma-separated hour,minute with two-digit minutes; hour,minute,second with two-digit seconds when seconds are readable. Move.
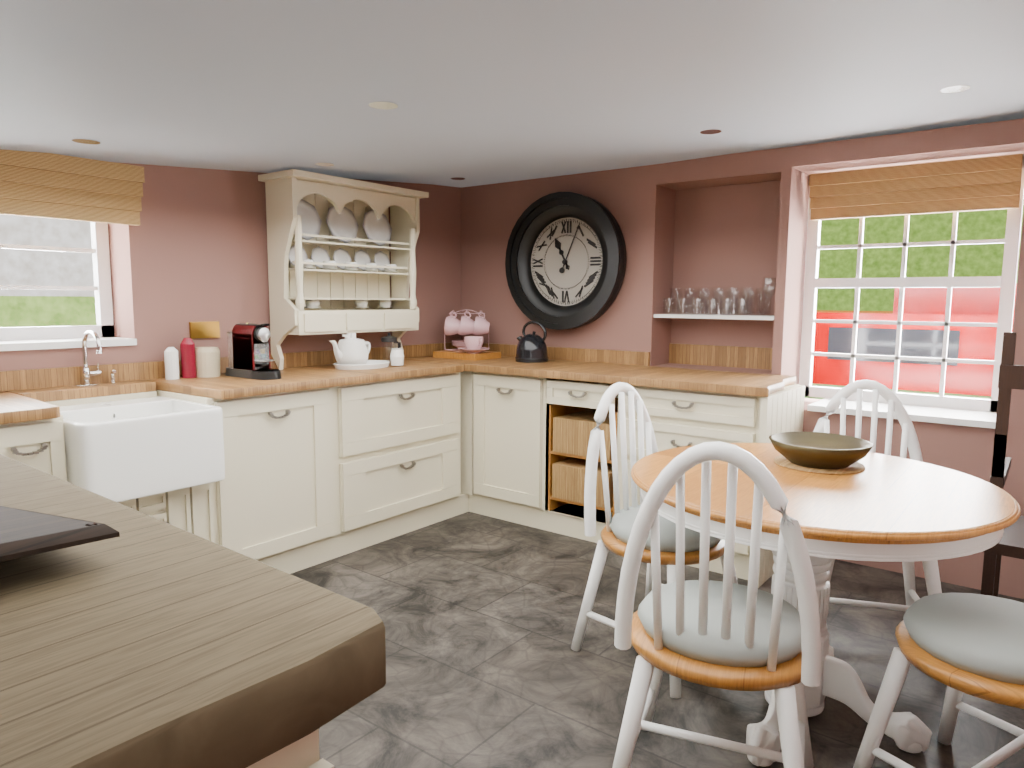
11,04
